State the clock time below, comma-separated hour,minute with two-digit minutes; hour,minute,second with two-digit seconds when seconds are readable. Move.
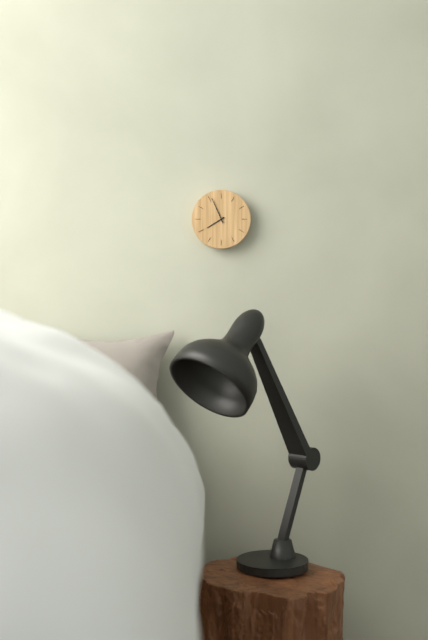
7,56
